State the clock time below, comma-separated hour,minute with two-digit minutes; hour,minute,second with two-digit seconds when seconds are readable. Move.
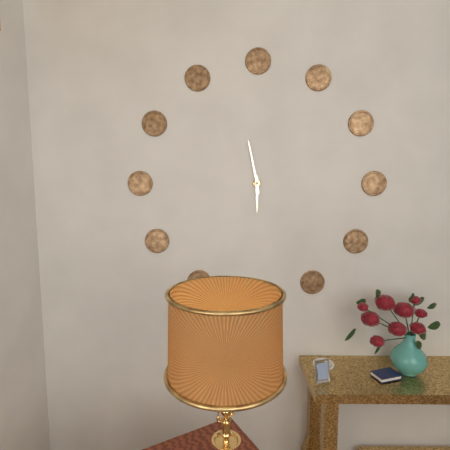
5,58
